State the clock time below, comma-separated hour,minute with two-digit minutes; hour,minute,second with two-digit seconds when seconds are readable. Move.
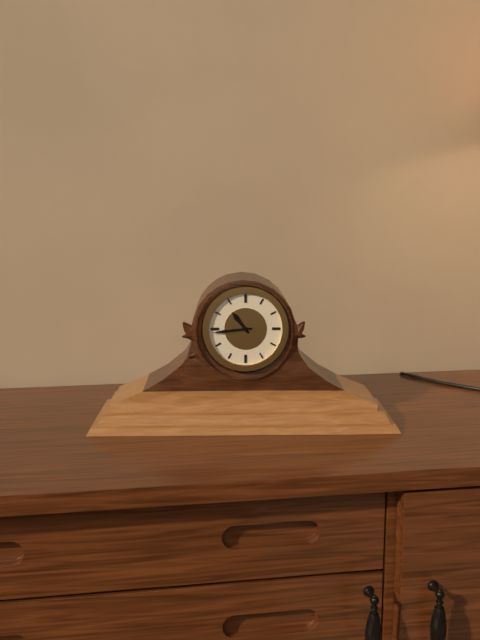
10,44
